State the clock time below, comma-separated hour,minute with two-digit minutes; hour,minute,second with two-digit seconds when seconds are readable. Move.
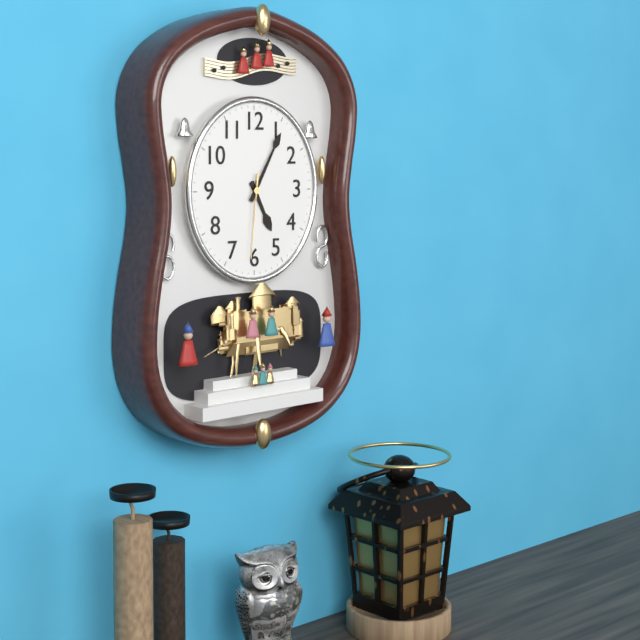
5,05,31
